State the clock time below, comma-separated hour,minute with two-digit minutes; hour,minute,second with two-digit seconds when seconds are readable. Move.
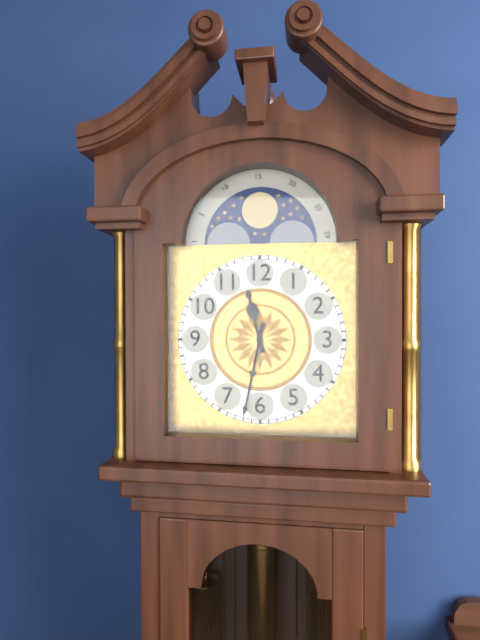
11,32
